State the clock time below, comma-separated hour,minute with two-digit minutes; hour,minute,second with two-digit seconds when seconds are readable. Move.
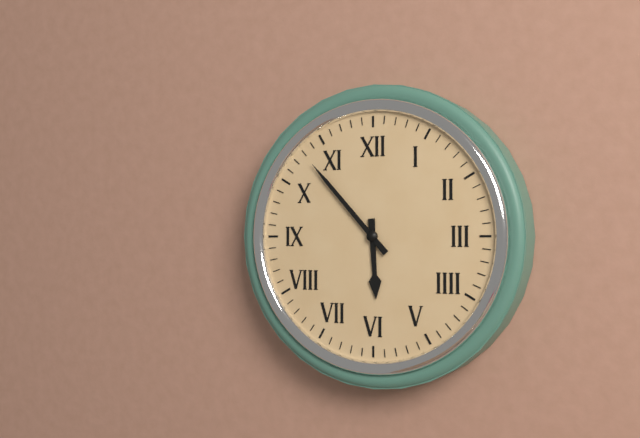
5,53
